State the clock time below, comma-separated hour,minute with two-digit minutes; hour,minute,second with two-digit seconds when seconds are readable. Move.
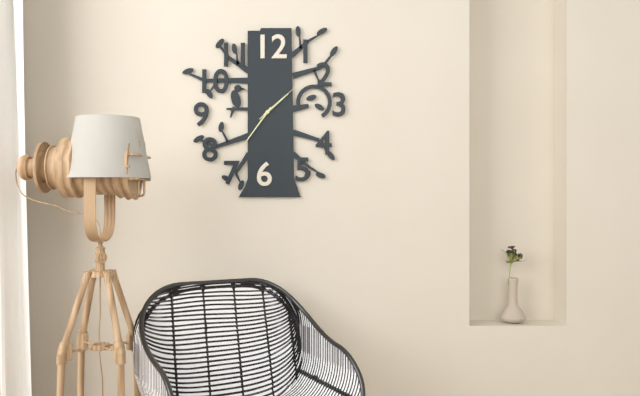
1,36,08
